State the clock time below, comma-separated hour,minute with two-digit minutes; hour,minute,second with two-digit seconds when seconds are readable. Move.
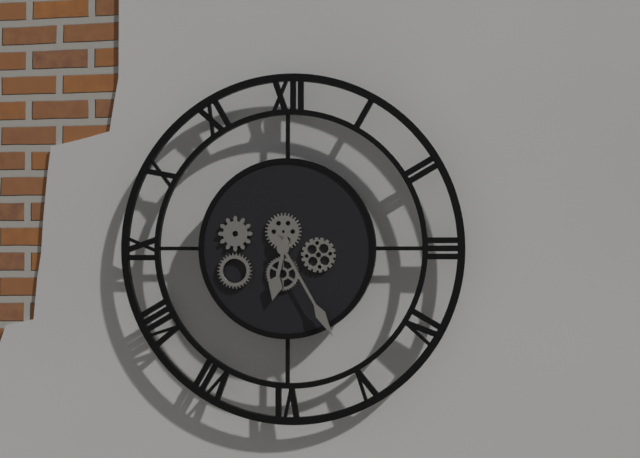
6,25
